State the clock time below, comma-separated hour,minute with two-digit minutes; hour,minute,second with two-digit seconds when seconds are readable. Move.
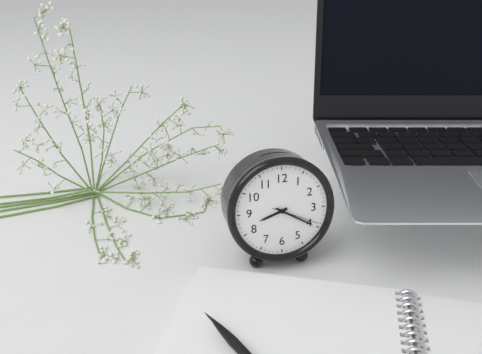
8,20
